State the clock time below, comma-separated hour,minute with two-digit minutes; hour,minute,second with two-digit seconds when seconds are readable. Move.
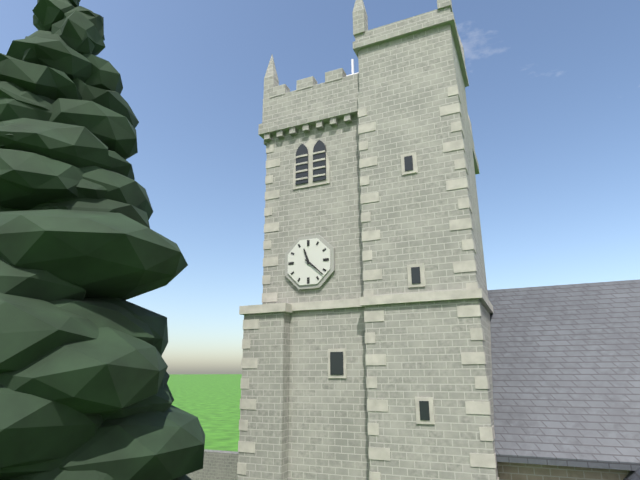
11,22
